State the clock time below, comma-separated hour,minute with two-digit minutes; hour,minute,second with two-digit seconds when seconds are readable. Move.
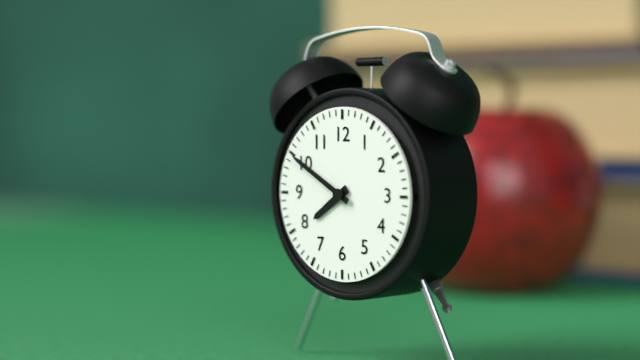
7,50
